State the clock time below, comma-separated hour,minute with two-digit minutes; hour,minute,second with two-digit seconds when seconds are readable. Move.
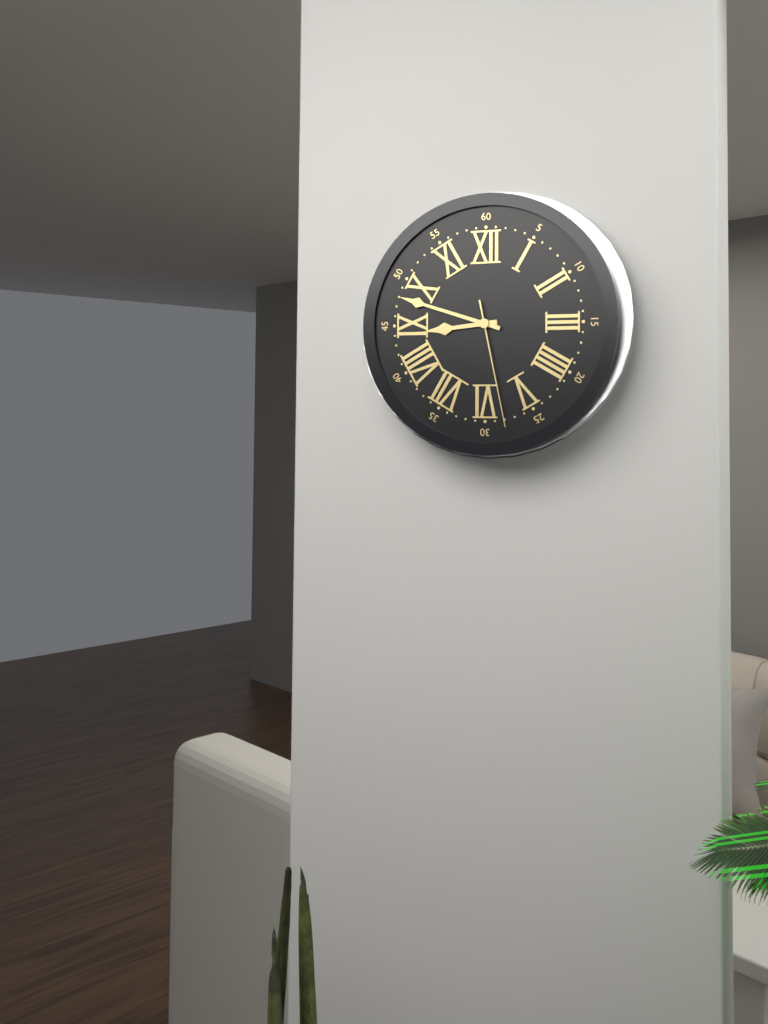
8,48,28
